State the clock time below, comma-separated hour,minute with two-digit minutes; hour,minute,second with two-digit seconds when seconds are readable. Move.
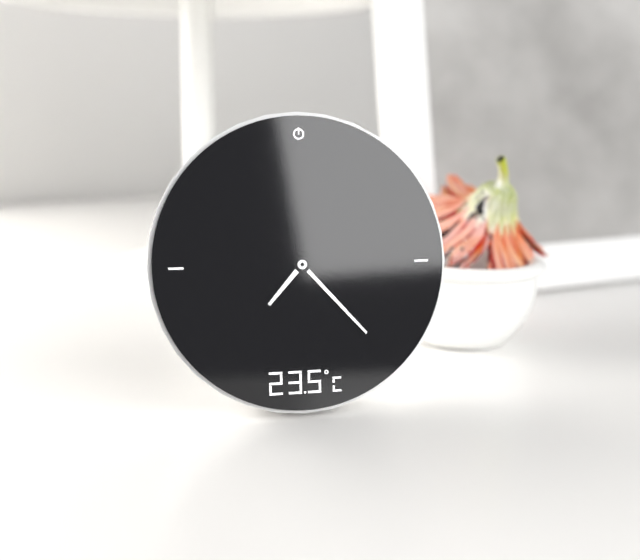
7,23
